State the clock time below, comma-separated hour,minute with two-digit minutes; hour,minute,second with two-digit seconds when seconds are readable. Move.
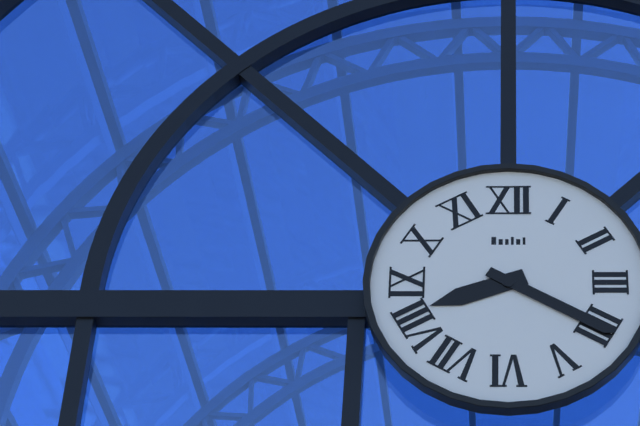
8,20
